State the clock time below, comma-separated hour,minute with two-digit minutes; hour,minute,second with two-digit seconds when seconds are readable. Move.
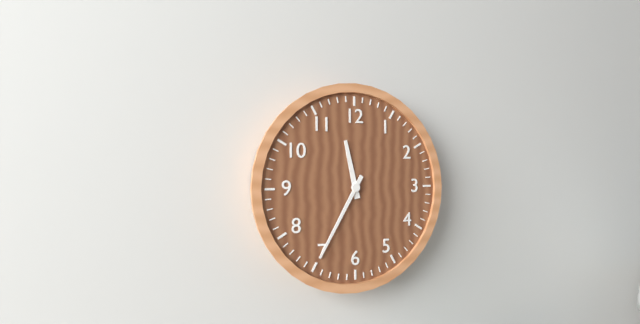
11,35
